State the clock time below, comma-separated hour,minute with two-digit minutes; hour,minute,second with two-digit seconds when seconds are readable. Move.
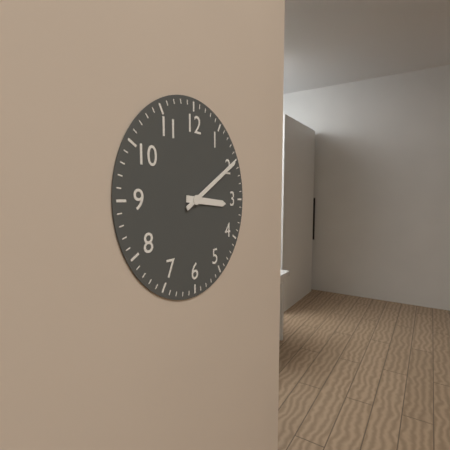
3,10
